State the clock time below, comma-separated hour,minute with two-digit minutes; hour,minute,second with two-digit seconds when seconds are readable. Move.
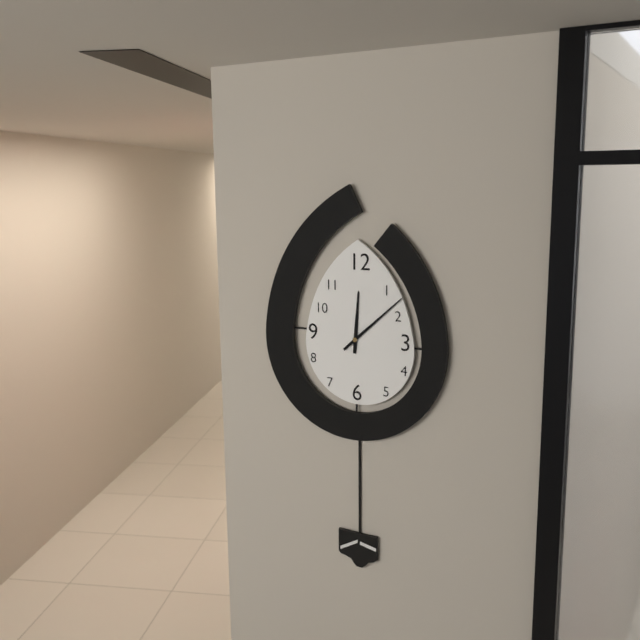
12,08
